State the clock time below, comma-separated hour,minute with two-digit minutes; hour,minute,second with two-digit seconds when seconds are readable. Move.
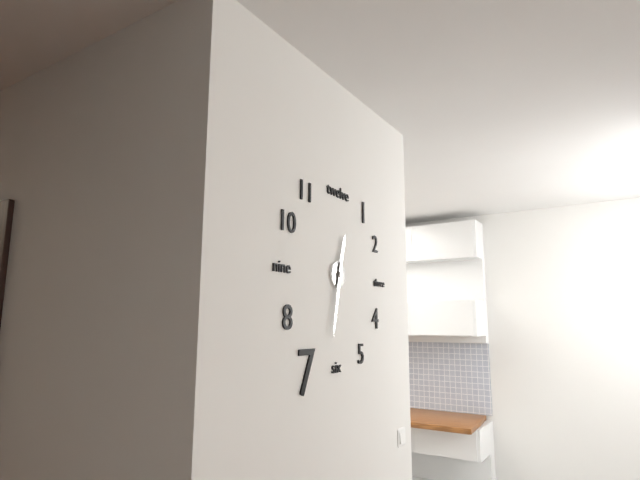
12,32
